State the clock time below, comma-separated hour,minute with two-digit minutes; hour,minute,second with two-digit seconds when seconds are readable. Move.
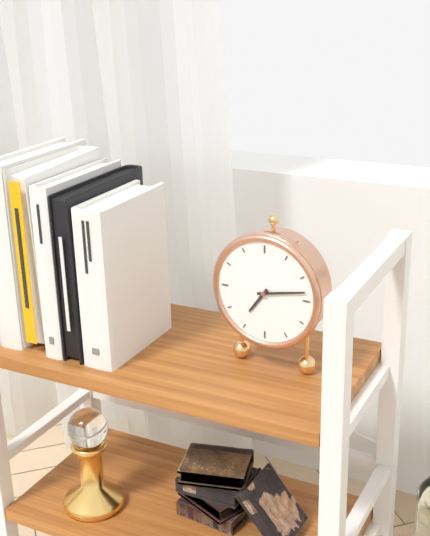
7,13
